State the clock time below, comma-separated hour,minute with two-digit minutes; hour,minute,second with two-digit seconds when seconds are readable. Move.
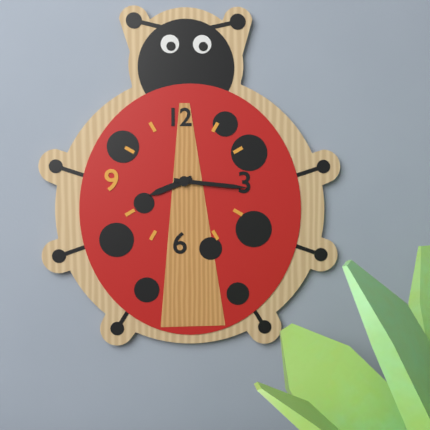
8,16
